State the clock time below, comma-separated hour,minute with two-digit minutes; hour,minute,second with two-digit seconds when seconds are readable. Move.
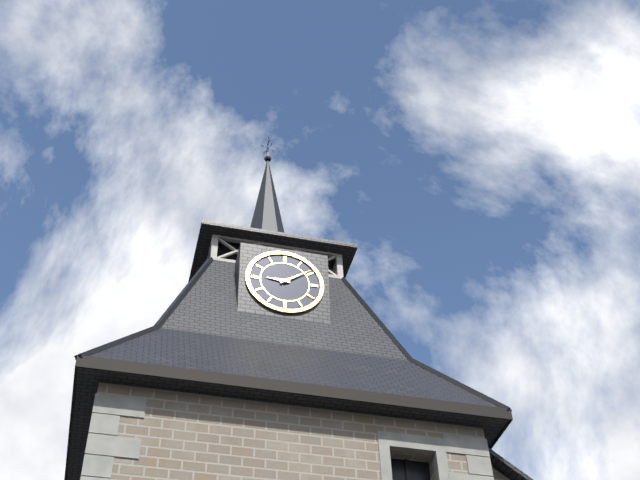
9,09
